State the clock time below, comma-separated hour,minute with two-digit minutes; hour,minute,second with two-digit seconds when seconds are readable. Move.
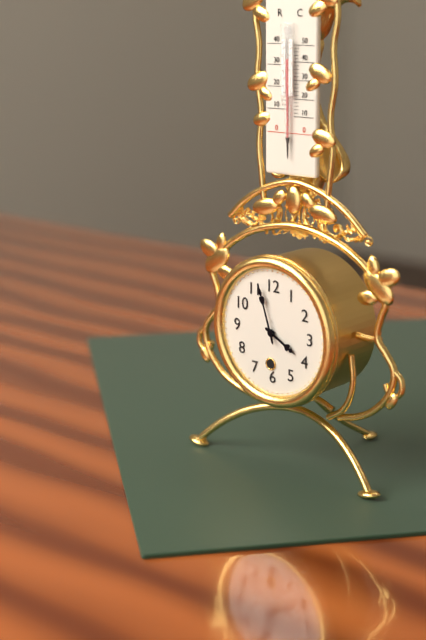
3,57
